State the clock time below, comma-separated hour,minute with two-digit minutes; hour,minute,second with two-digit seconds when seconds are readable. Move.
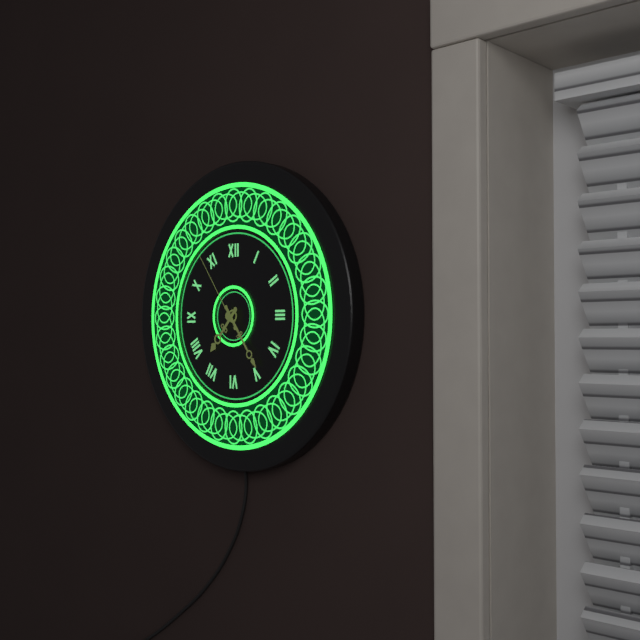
7,24,54
